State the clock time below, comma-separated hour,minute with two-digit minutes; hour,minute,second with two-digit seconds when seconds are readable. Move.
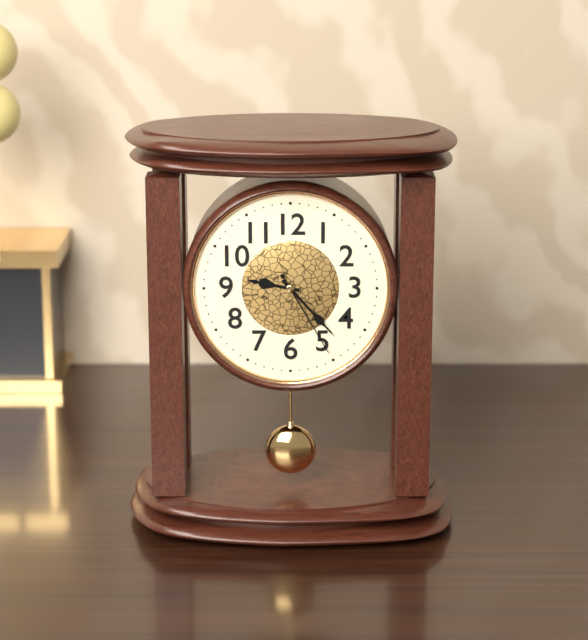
9,23,25
